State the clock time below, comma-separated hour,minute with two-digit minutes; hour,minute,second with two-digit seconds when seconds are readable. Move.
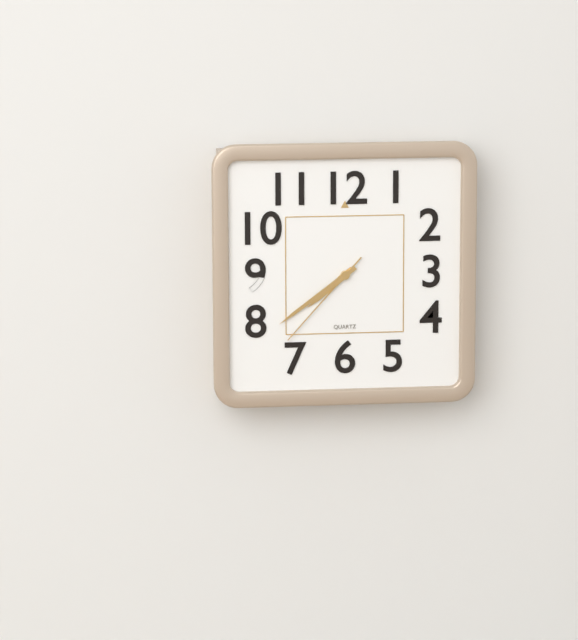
7,39,37
